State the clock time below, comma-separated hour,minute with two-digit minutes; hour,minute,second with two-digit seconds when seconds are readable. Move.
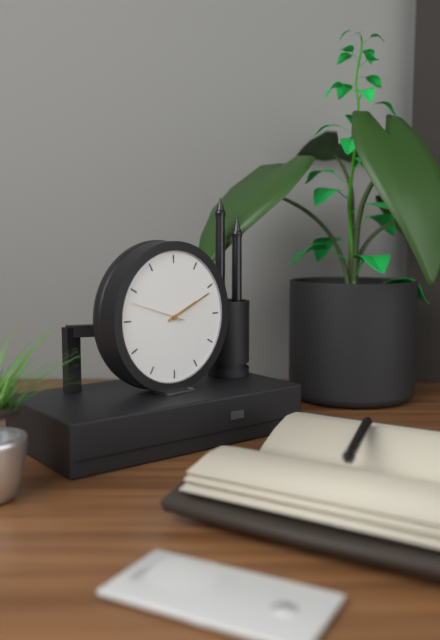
2,11,48
